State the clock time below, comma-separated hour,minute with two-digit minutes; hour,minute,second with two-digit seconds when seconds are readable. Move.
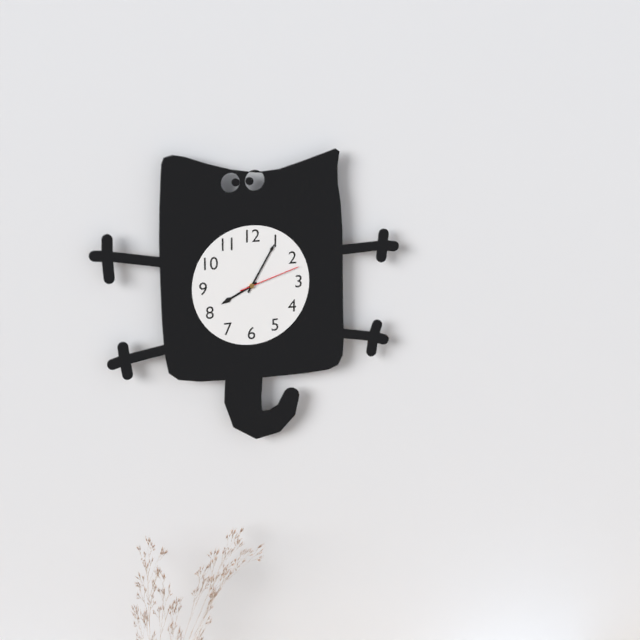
8,05,12
